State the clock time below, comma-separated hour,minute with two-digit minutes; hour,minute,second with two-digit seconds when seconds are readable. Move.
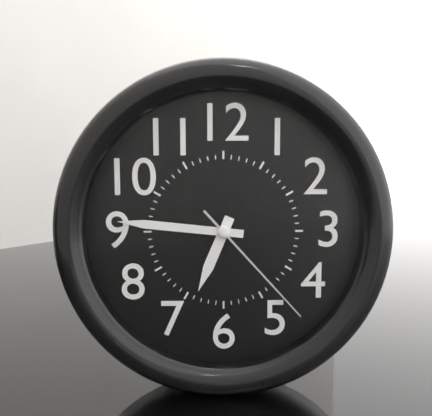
6,46,23
